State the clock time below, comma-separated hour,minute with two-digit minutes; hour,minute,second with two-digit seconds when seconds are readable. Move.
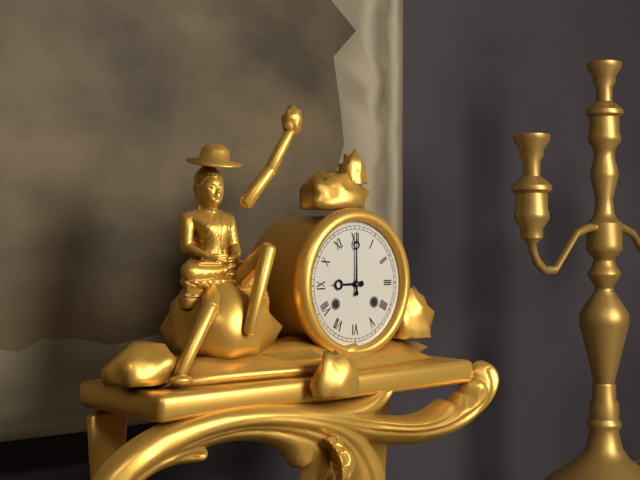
9,00
